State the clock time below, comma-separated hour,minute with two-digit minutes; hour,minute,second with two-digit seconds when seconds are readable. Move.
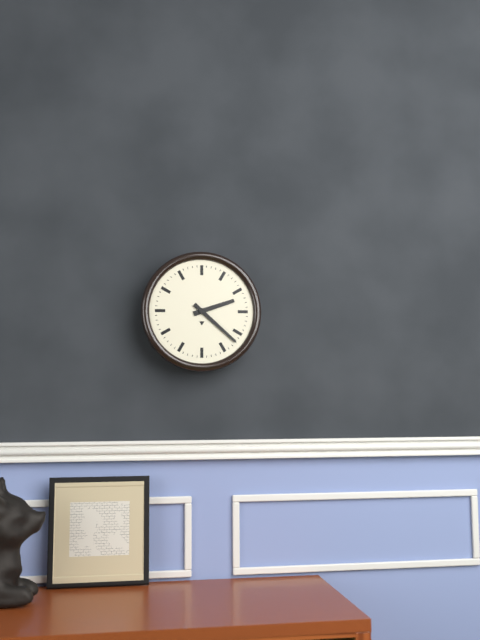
2,22
